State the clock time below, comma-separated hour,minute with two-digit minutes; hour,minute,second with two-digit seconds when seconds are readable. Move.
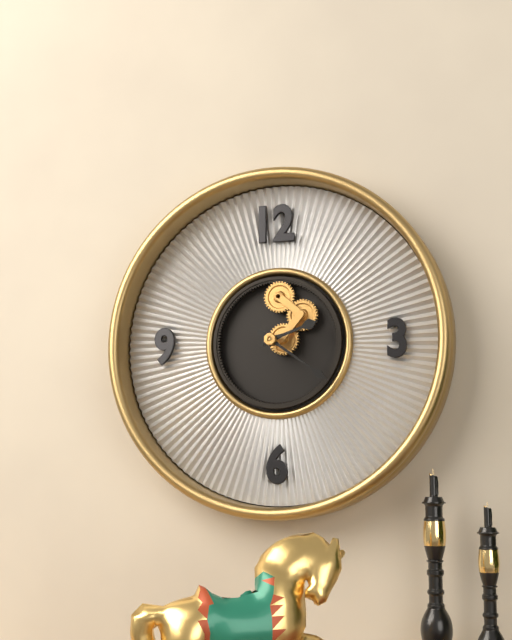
2,21
